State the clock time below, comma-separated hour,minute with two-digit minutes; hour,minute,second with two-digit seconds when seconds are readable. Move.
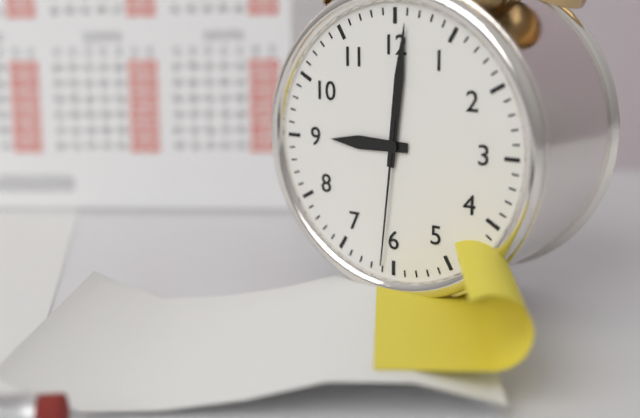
9,01,31
